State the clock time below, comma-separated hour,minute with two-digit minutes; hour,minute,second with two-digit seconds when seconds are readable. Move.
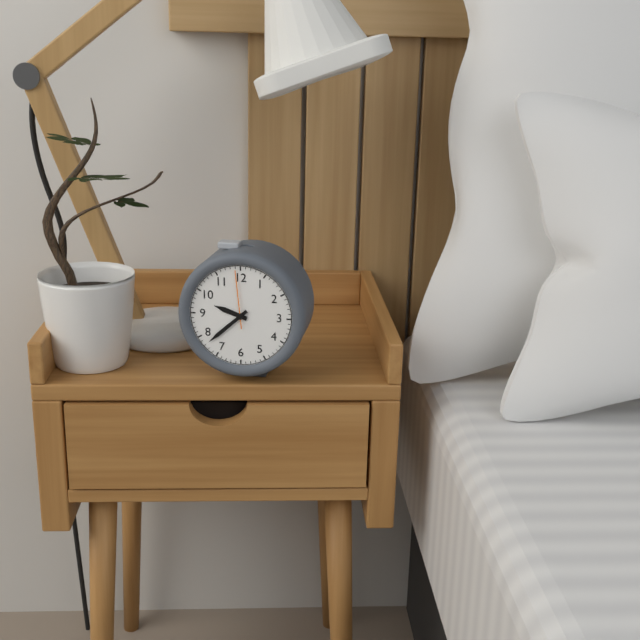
9,38
